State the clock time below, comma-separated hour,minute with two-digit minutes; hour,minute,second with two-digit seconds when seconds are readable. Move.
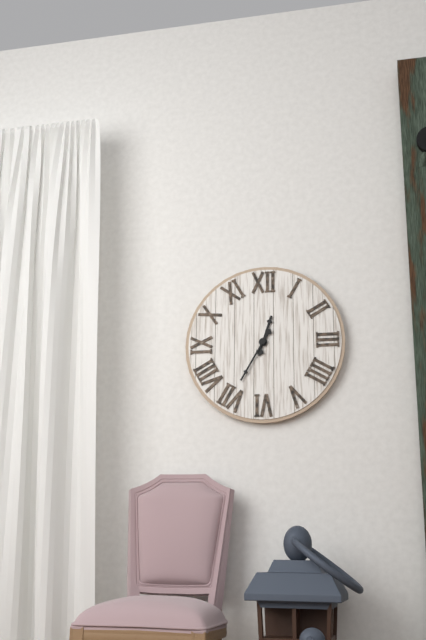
12,35
